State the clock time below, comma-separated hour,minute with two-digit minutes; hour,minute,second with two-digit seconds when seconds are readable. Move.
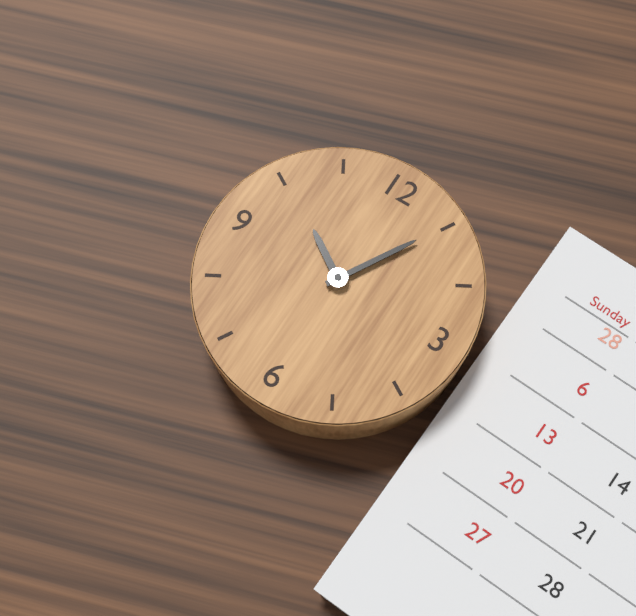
10,05
